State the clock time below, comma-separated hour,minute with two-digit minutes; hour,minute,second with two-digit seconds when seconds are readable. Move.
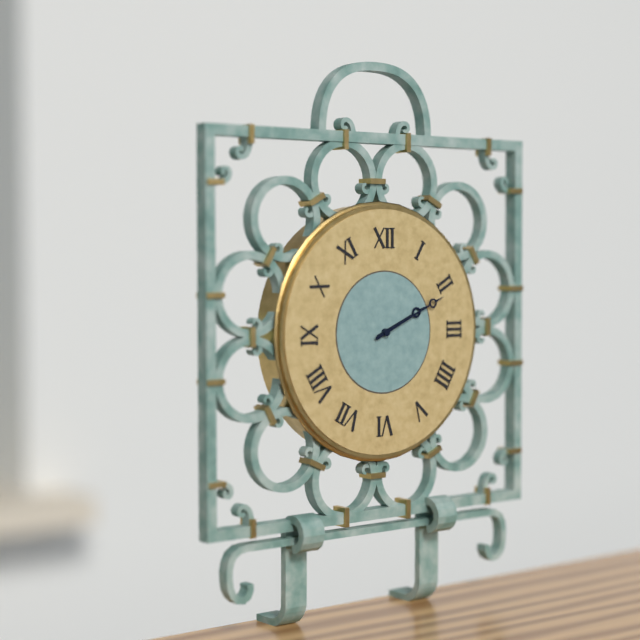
2,11
